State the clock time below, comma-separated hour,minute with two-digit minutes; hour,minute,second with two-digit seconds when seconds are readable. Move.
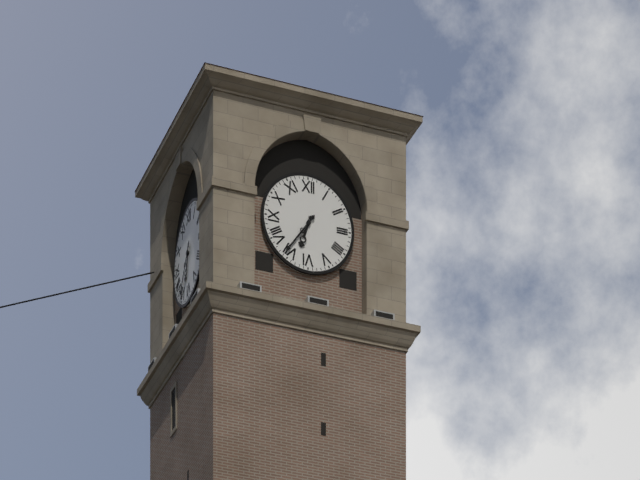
6,36
